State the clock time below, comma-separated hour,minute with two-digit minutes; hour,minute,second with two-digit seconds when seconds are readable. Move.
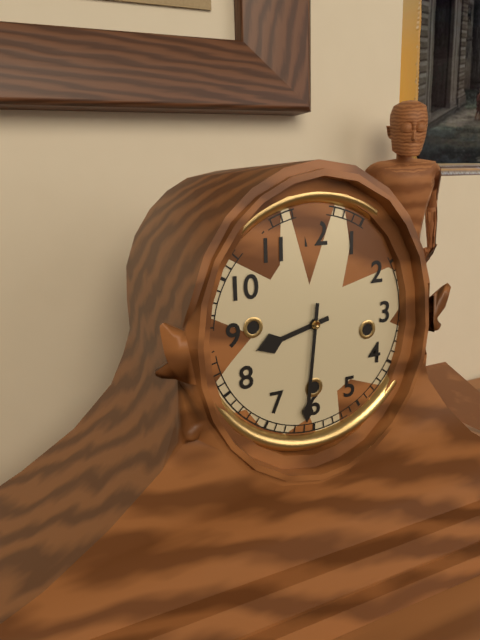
8,31
